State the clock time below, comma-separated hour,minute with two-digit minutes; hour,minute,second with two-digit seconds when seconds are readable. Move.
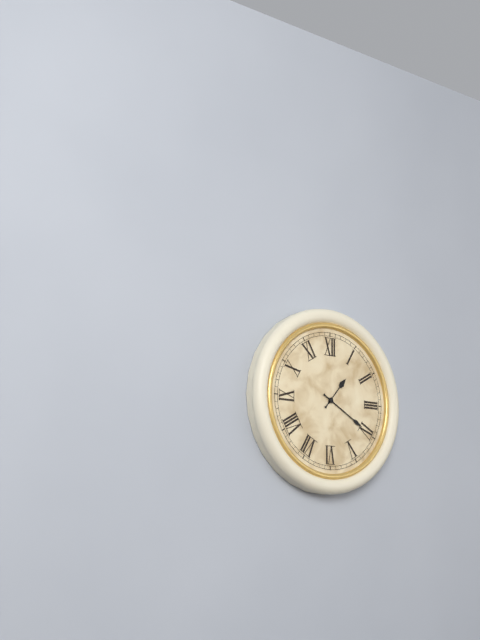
1,20
